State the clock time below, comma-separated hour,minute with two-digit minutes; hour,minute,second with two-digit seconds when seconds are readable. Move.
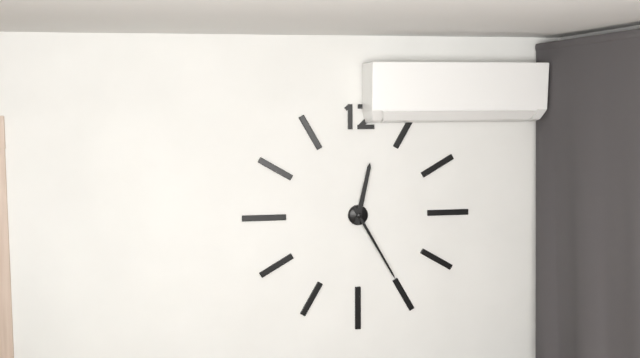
12,25
